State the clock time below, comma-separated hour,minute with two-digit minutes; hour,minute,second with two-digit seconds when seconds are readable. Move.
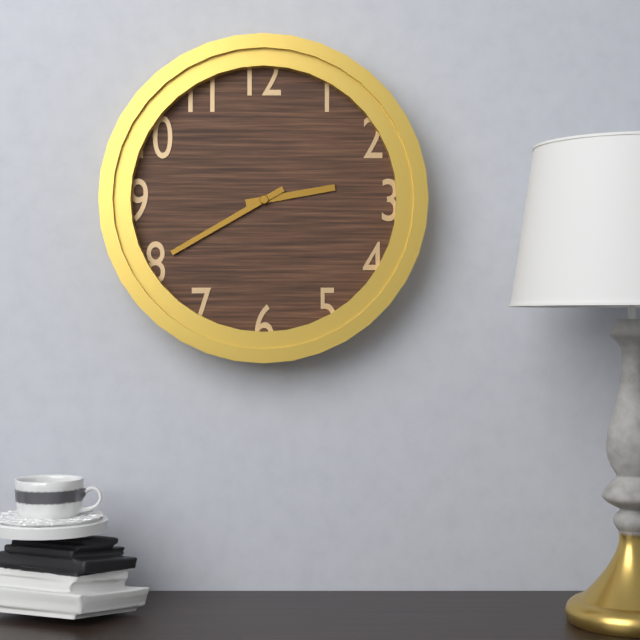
2,40
